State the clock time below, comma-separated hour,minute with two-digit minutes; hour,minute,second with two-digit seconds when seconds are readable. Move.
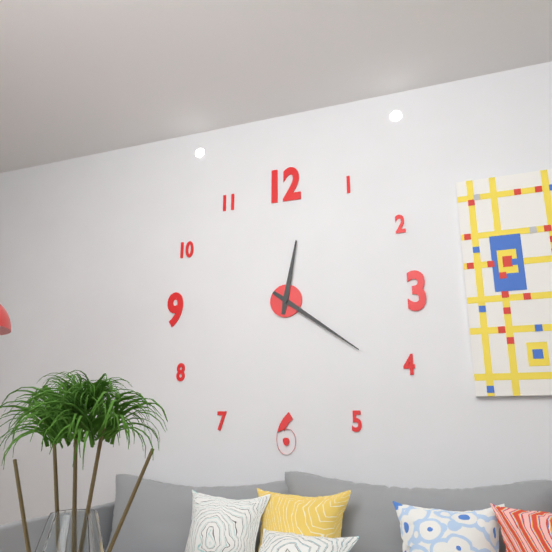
12,21
